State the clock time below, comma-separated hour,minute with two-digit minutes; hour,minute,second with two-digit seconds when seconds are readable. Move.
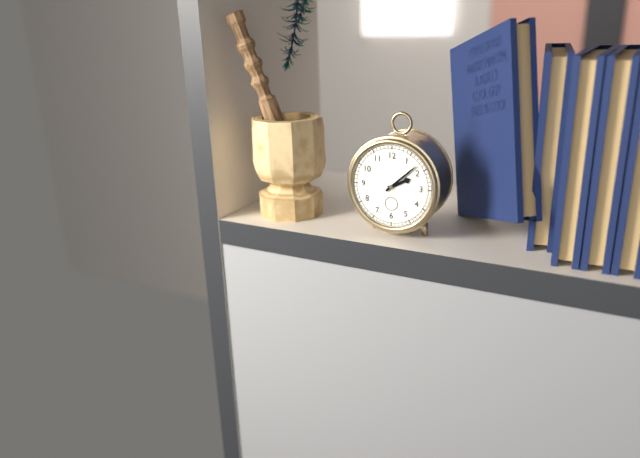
2,08
